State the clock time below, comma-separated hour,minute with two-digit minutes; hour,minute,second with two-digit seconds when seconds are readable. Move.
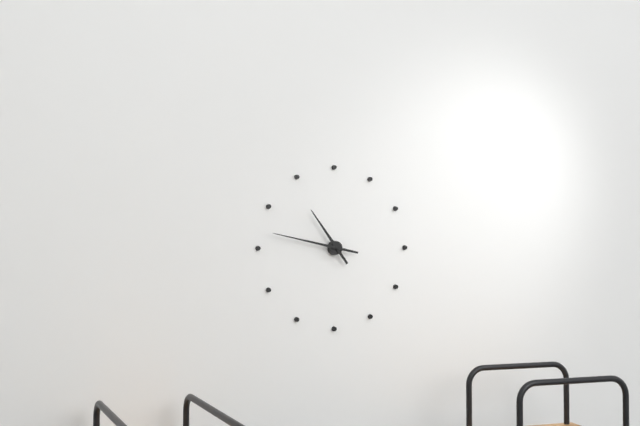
10,47
